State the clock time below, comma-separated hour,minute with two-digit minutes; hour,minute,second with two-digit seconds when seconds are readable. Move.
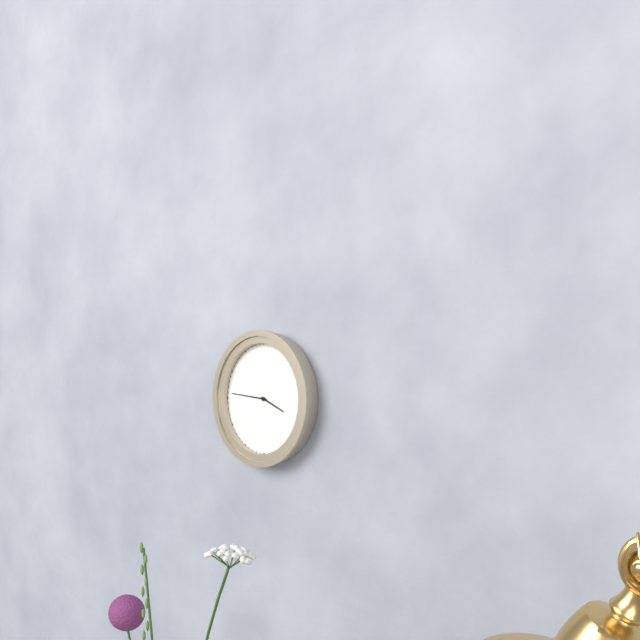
3,46
